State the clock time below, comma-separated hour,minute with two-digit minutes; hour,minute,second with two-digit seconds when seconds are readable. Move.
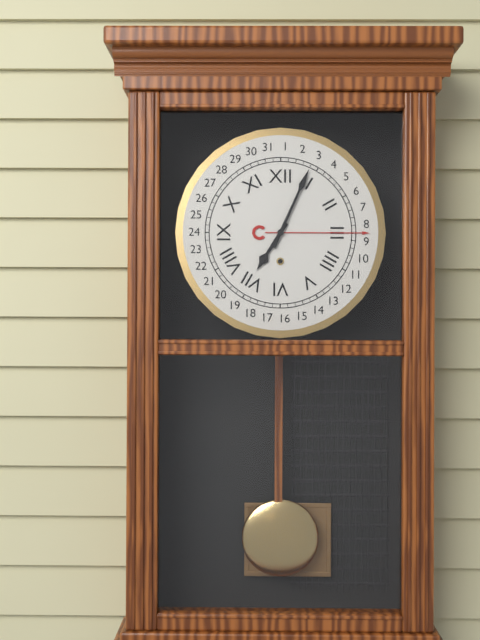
7,04
